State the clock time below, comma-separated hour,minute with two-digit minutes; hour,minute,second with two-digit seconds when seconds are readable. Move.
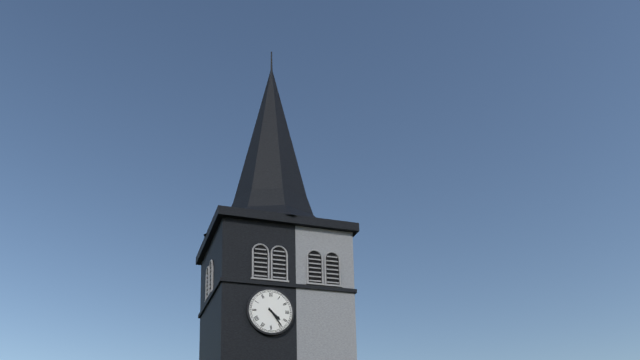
4,24
